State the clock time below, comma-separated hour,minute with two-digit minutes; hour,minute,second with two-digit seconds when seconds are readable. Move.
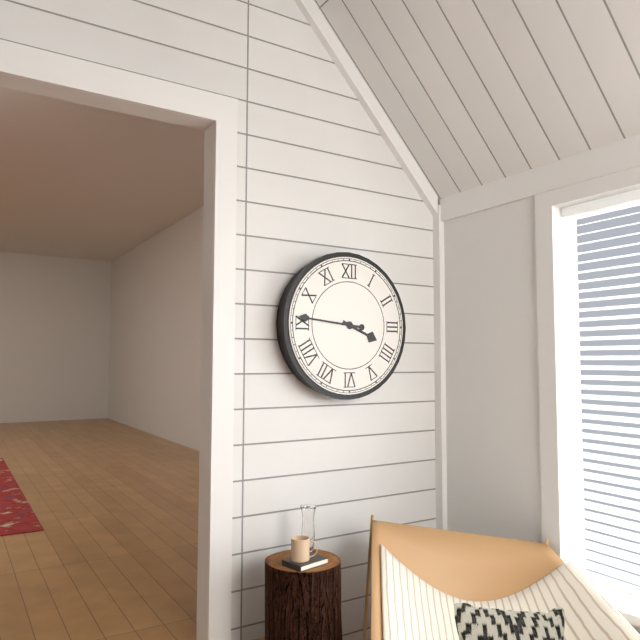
3,46
